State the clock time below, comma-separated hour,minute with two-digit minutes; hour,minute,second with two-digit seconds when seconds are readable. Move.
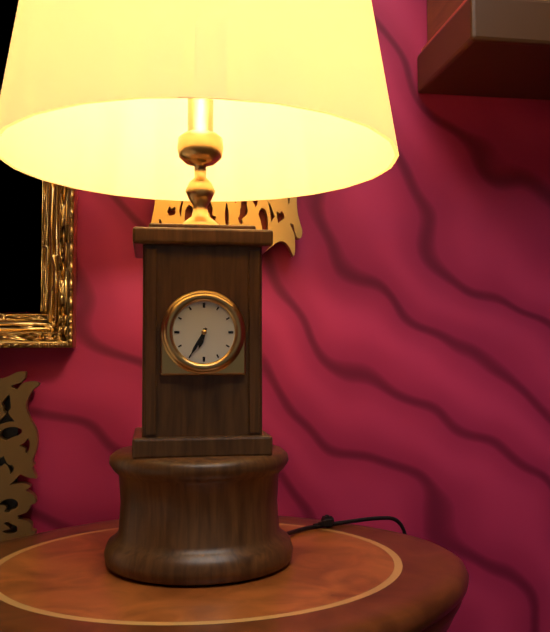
6,35
